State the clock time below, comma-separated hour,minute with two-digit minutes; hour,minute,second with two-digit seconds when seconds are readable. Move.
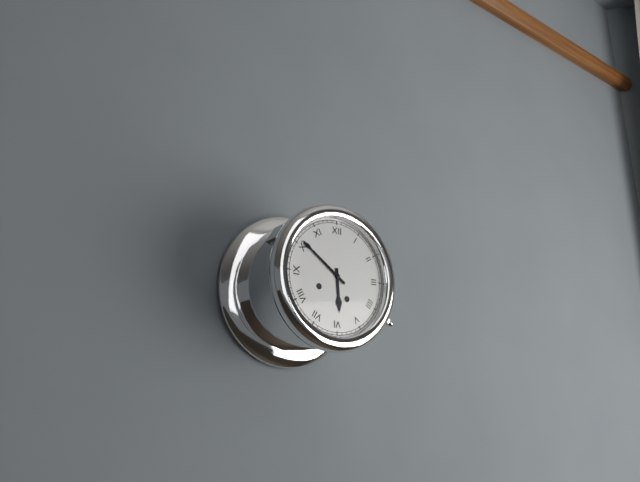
5,51
